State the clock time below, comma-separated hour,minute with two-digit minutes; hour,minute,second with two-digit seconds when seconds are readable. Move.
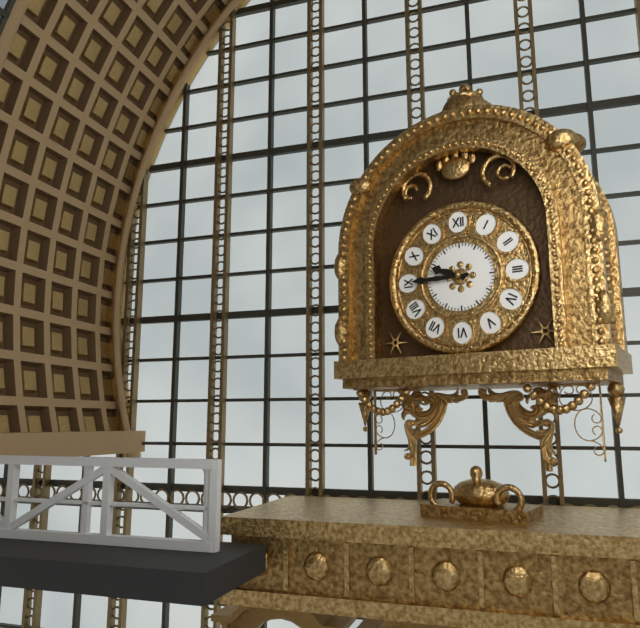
9,45
